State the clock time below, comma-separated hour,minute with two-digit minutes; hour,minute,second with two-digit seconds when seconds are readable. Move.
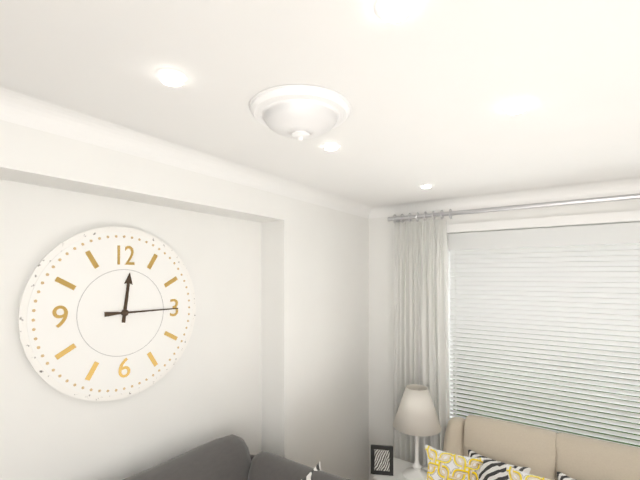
12,15
